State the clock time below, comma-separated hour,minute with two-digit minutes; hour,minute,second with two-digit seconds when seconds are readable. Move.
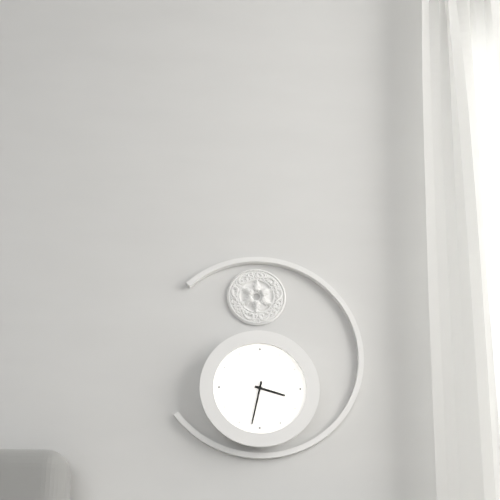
3,32
